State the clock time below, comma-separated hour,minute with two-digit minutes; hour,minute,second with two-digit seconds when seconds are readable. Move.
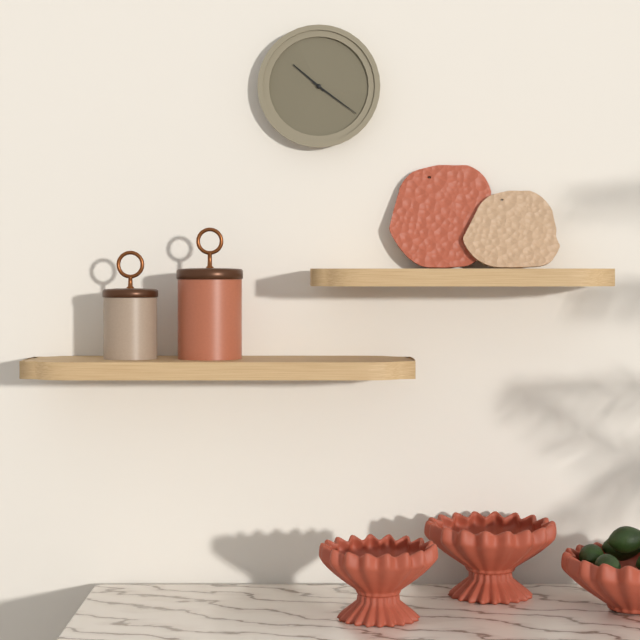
10,21
